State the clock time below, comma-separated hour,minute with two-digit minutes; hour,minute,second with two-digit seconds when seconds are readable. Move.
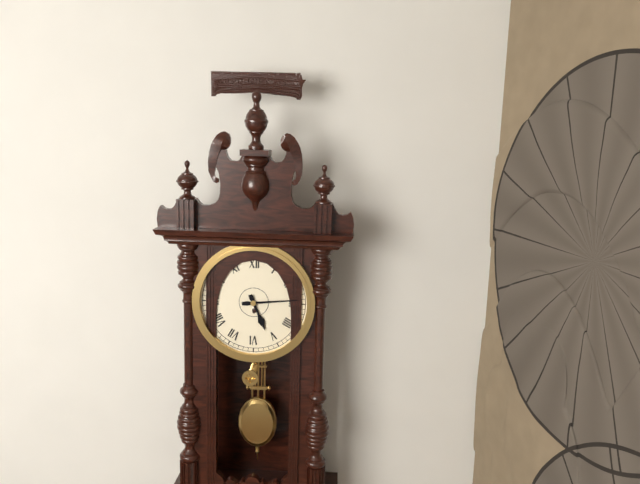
5,14
